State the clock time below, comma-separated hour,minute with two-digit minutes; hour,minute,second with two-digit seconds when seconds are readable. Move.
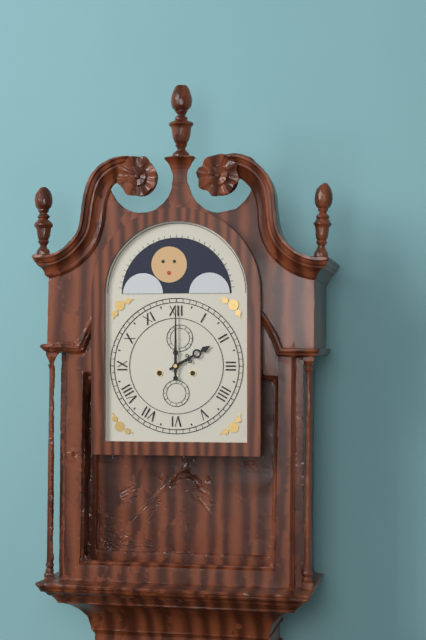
2,00
